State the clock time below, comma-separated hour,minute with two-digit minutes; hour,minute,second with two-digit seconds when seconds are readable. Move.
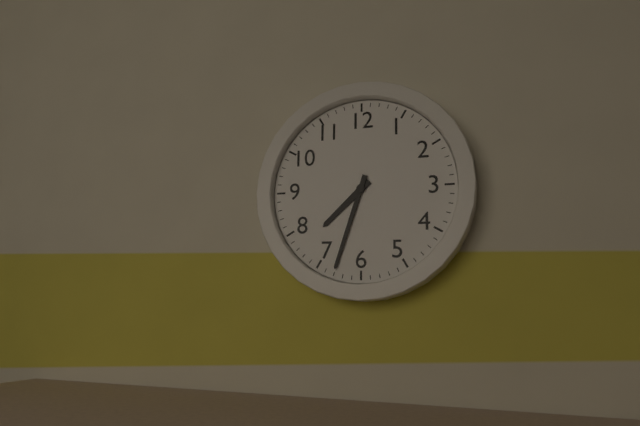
7,33
